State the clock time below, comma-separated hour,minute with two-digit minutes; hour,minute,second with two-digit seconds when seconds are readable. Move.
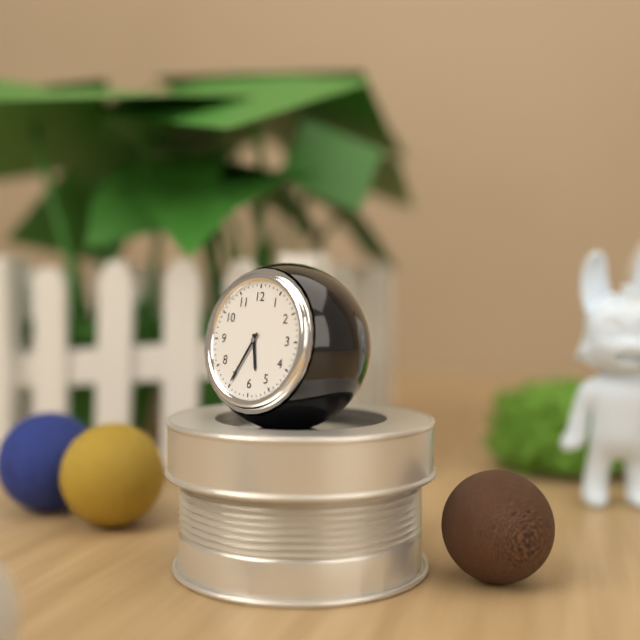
5,35
